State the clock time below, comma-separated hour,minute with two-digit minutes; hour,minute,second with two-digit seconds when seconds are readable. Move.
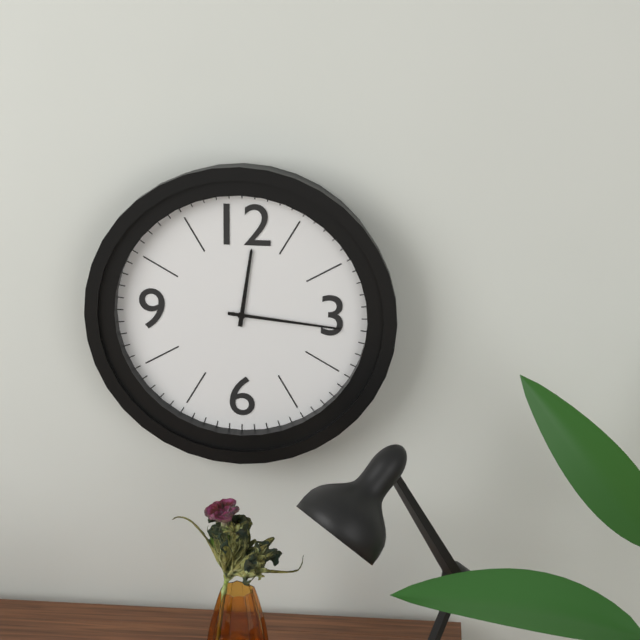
12,16
